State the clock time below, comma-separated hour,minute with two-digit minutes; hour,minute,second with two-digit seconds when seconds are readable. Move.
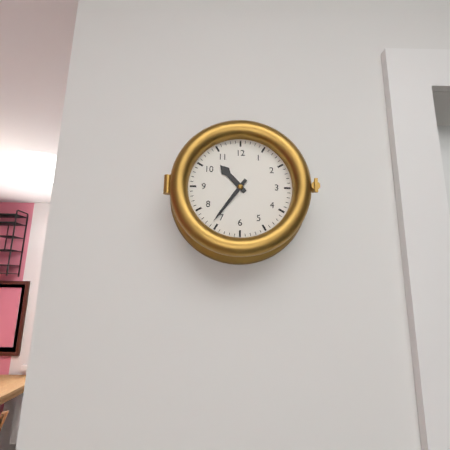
10,36
